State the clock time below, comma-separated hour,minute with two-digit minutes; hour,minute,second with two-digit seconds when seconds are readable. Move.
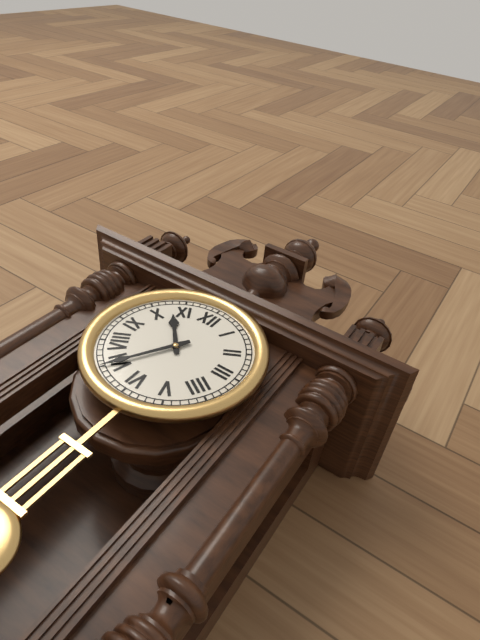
10,35
